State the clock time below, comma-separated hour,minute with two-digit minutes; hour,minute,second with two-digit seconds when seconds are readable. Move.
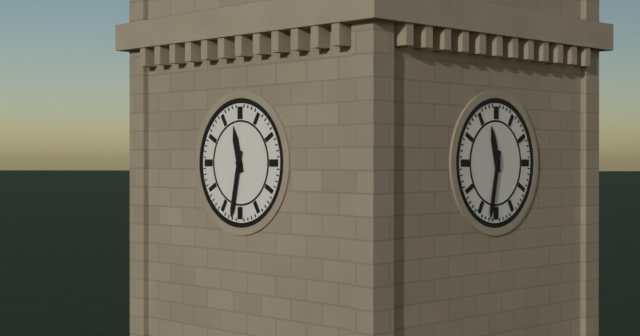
11,32
